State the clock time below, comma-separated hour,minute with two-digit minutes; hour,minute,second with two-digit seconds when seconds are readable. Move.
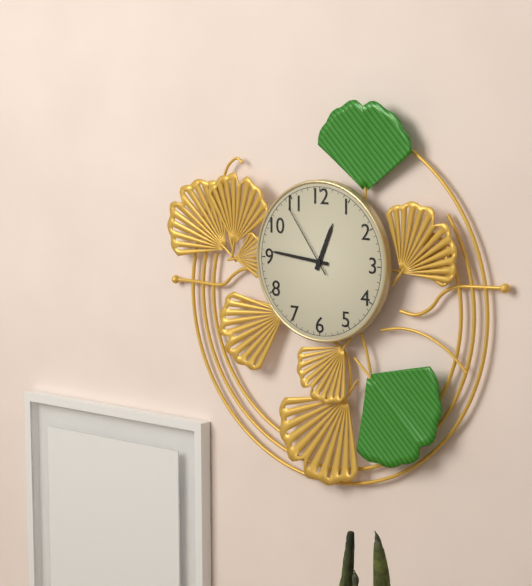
12,46,54
